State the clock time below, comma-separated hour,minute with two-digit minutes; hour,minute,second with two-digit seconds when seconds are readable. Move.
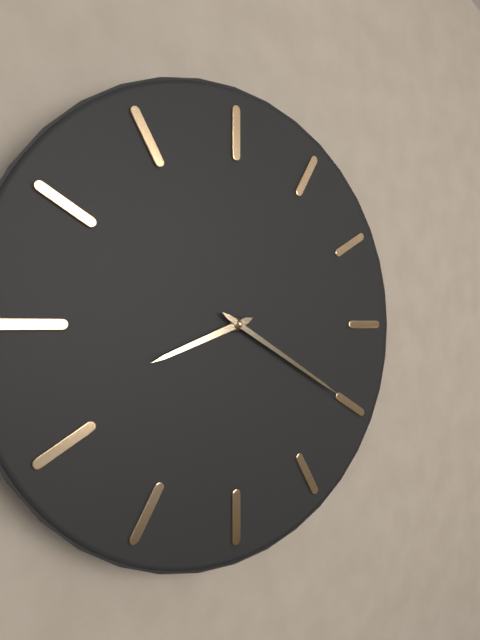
8,20
